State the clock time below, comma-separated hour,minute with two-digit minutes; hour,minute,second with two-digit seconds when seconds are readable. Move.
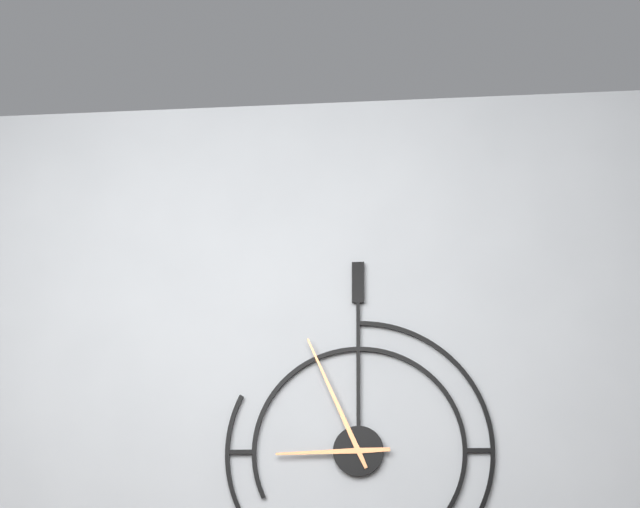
8,56
